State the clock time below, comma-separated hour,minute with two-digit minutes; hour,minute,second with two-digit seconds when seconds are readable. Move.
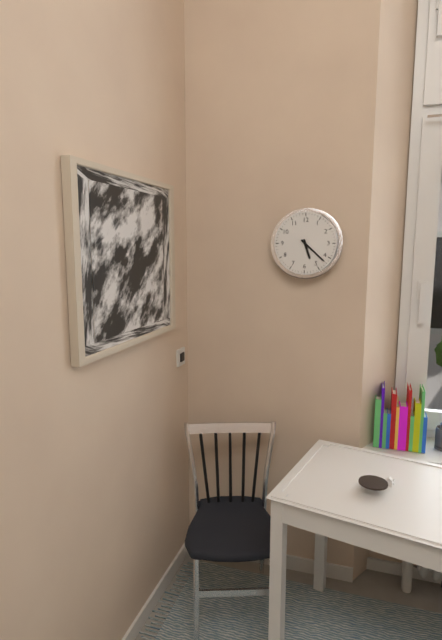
5,22
